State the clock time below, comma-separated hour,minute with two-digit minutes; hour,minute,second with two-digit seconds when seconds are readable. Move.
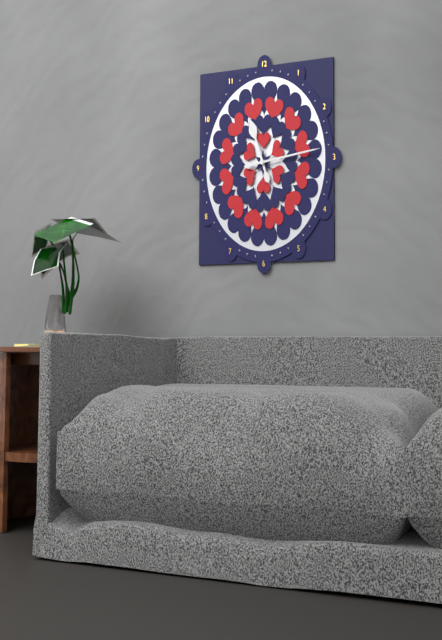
11,14
